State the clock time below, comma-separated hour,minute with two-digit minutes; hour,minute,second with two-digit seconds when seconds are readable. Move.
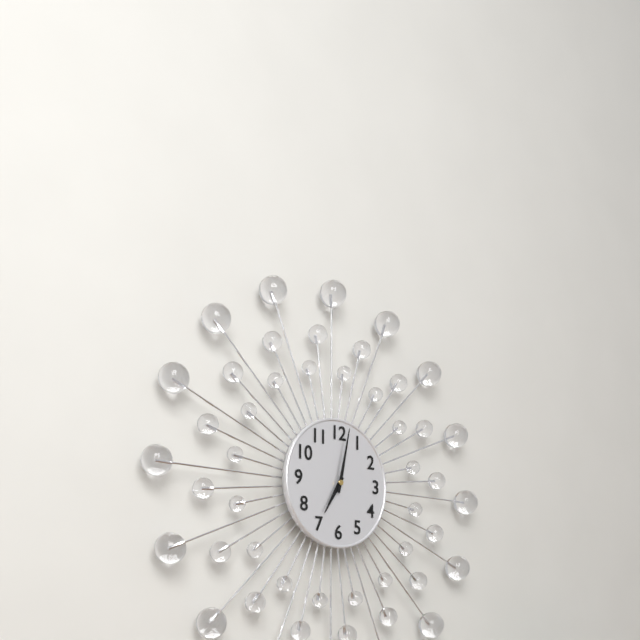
7,02
